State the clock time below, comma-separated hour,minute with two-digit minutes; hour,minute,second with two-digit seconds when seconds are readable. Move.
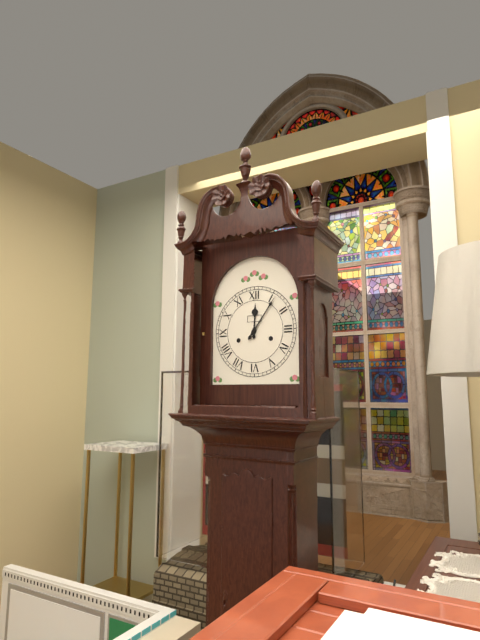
12,06
